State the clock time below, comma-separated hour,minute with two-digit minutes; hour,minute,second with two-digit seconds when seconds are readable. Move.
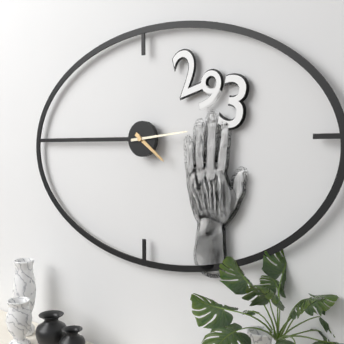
4,14
